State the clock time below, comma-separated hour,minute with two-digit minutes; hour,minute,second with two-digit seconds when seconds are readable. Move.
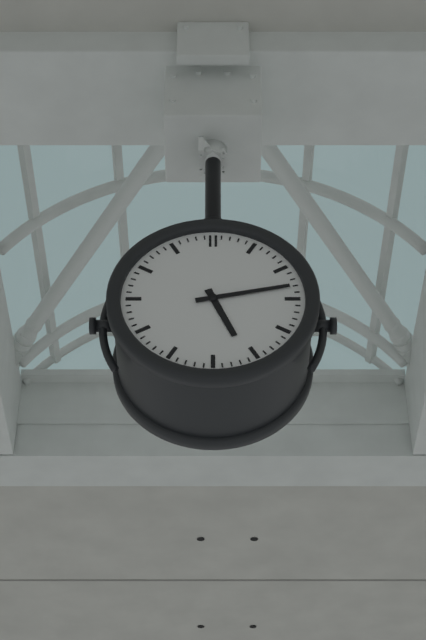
5,13
